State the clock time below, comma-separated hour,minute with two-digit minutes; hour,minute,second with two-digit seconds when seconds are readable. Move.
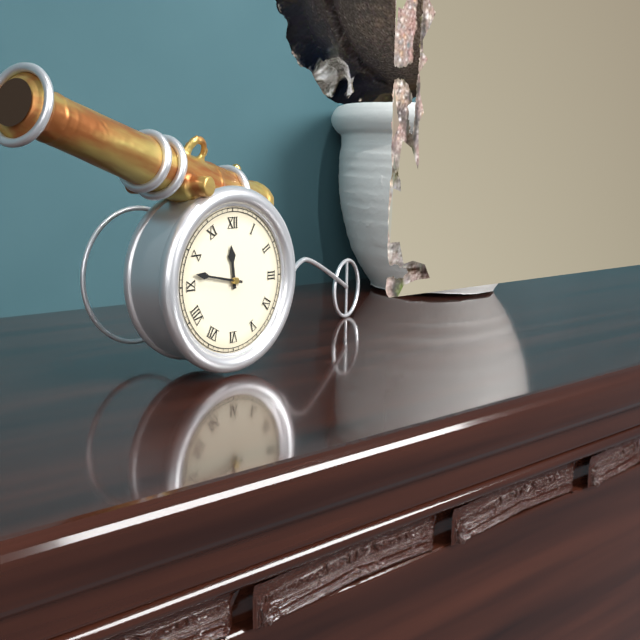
11,47
